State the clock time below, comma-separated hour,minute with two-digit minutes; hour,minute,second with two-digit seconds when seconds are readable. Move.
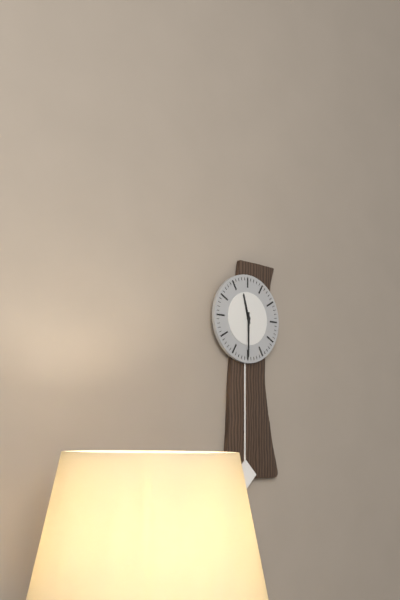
11,30
